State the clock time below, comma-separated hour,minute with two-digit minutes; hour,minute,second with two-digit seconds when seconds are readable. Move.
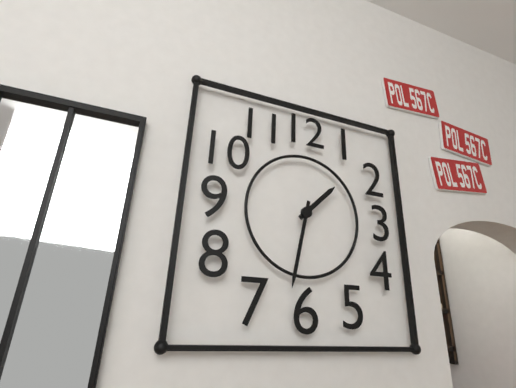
1,32
